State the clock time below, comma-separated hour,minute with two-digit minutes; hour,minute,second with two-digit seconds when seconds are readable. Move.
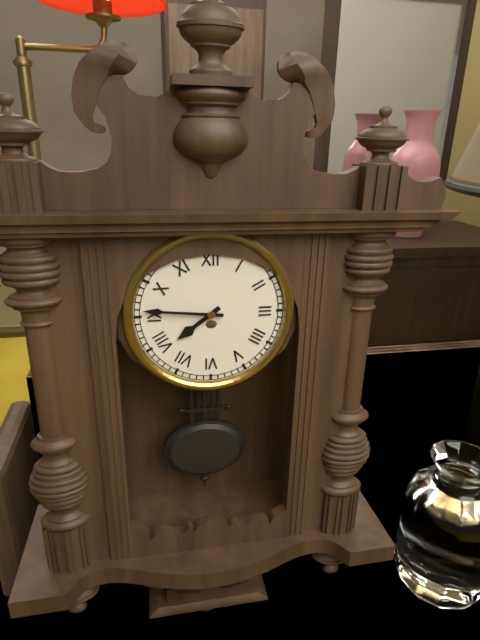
7,46
